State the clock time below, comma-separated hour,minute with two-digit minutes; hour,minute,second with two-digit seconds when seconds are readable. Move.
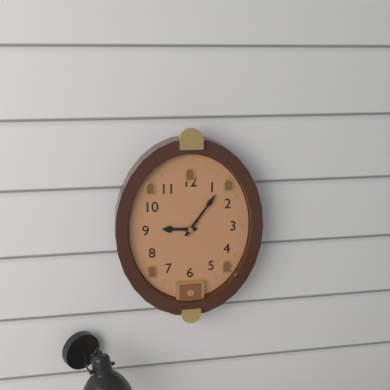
9,06
